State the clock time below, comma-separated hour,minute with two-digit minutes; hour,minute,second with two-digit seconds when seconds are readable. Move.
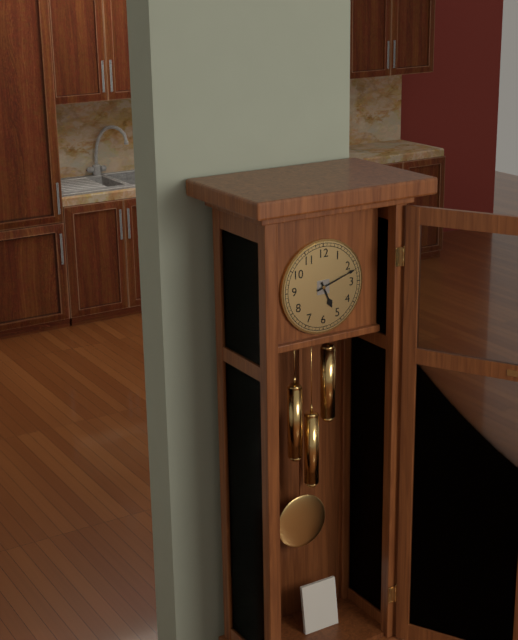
5,12
